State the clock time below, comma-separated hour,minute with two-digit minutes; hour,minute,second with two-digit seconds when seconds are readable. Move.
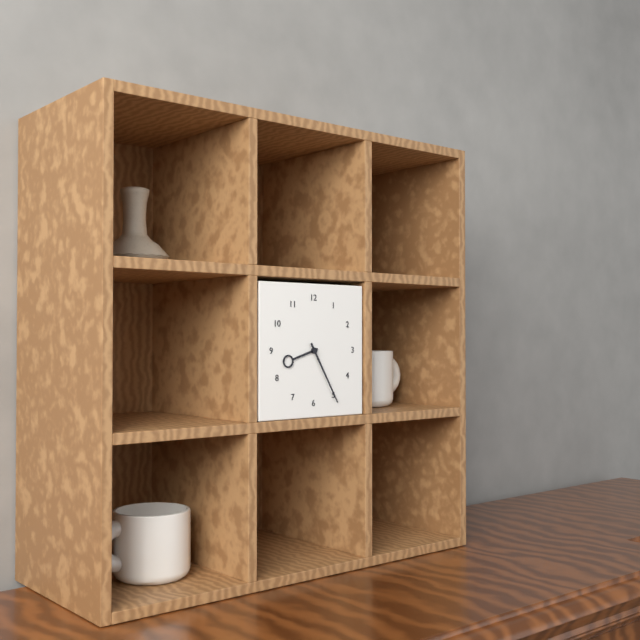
8,25
